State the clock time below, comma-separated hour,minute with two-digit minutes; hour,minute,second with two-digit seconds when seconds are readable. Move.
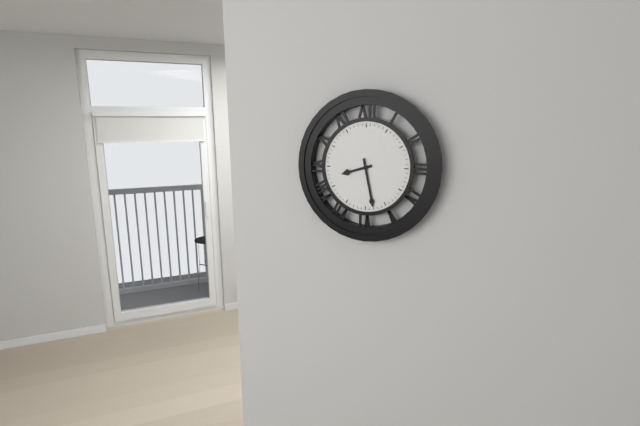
8,28
